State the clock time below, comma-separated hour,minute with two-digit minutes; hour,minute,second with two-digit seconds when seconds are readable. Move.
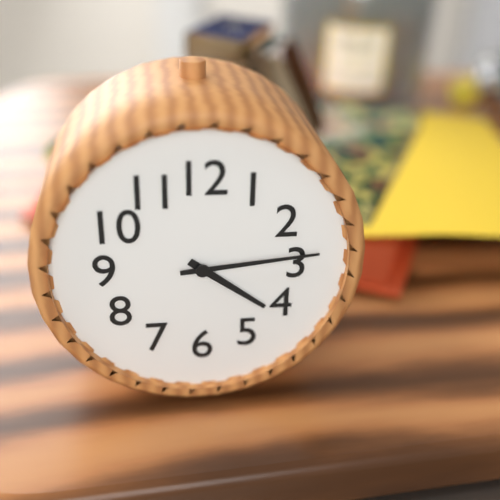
4,14
